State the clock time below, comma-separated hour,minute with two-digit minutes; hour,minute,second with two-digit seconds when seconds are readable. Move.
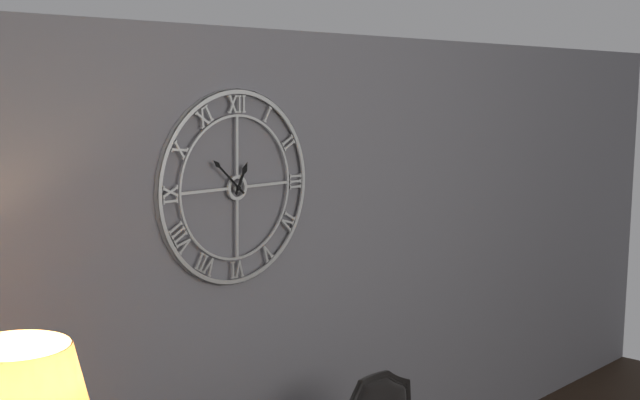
12,52
